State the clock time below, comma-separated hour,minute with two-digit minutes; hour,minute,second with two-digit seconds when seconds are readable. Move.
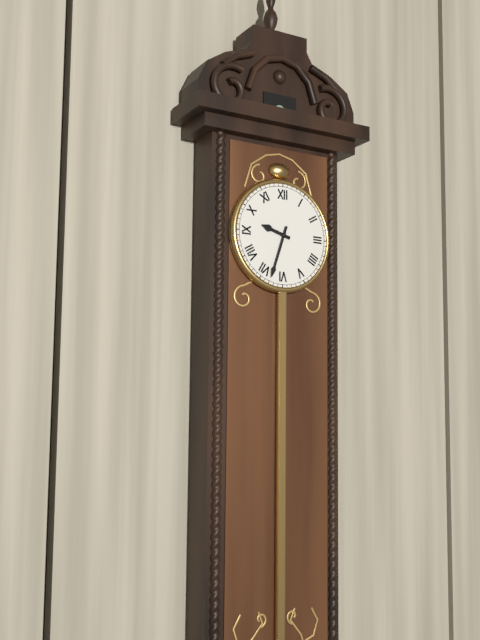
9,33
